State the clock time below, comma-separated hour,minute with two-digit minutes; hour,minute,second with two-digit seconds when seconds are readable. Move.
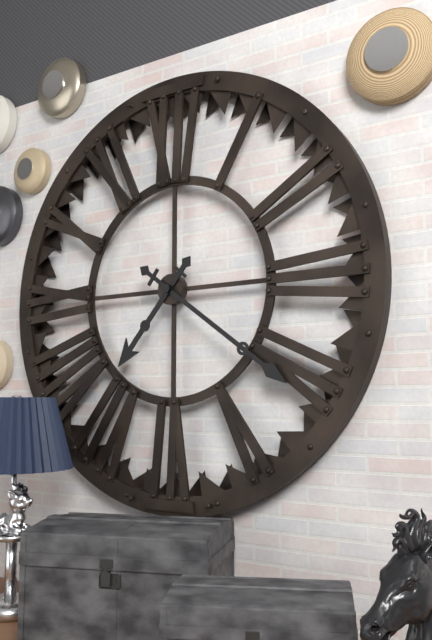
7,21
